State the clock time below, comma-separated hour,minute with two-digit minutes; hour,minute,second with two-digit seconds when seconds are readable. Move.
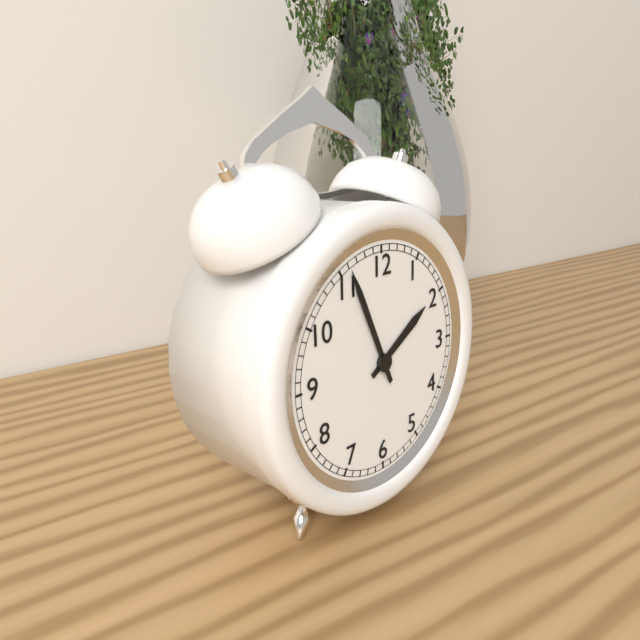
1,56
